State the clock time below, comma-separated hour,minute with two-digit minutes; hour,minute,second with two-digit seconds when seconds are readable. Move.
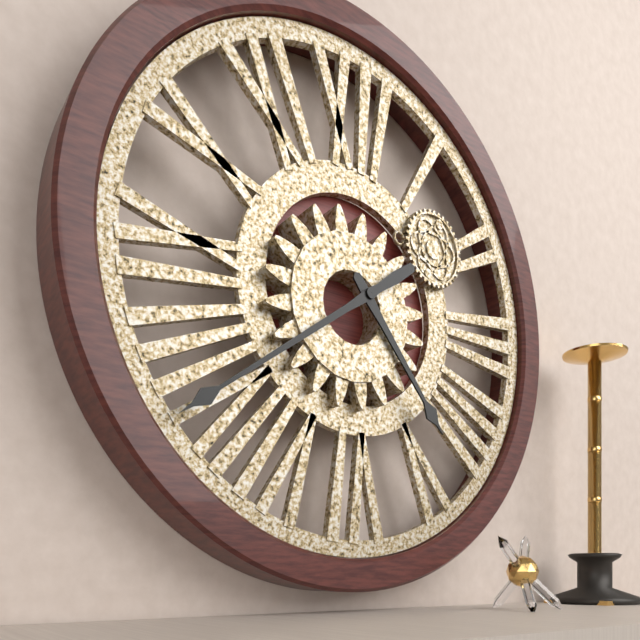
4,39
